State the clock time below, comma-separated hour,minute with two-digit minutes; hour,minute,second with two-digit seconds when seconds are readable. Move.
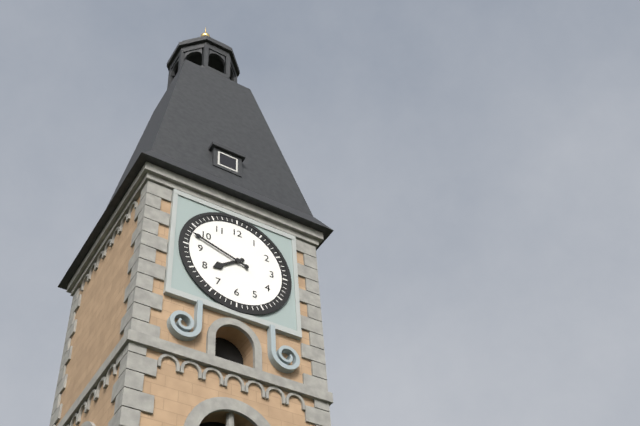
7,48
